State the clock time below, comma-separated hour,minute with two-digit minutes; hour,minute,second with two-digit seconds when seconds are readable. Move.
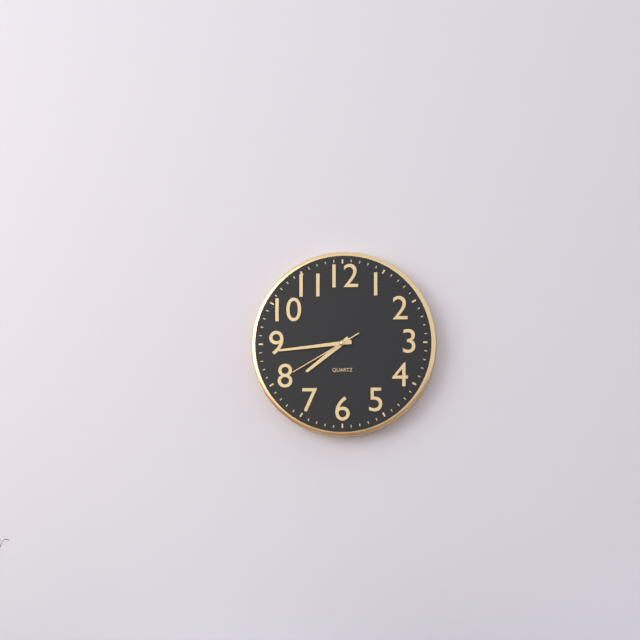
7,44,40
